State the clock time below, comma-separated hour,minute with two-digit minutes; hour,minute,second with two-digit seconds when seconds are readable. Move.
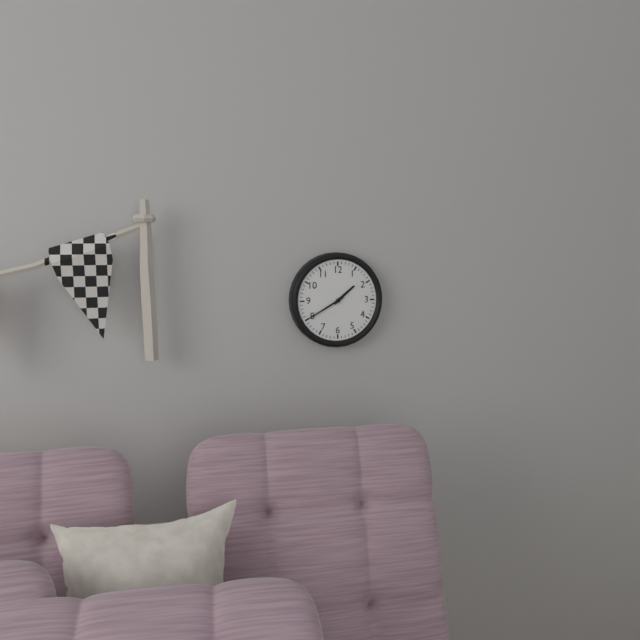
1,40
